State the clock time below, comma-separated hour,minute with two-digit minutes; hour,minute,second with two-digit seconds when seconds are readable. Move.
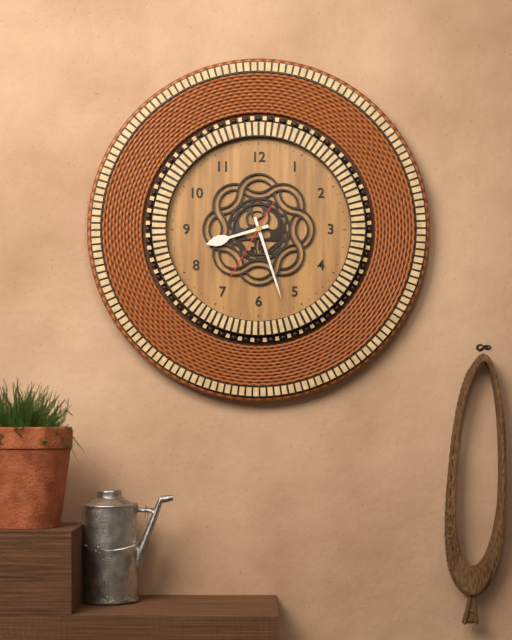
8,27,35
